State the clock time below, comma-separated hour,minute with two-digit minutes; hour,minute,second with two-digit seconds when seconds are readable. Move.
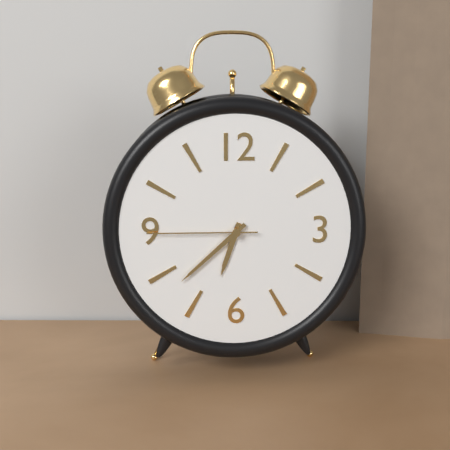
6,38,45
